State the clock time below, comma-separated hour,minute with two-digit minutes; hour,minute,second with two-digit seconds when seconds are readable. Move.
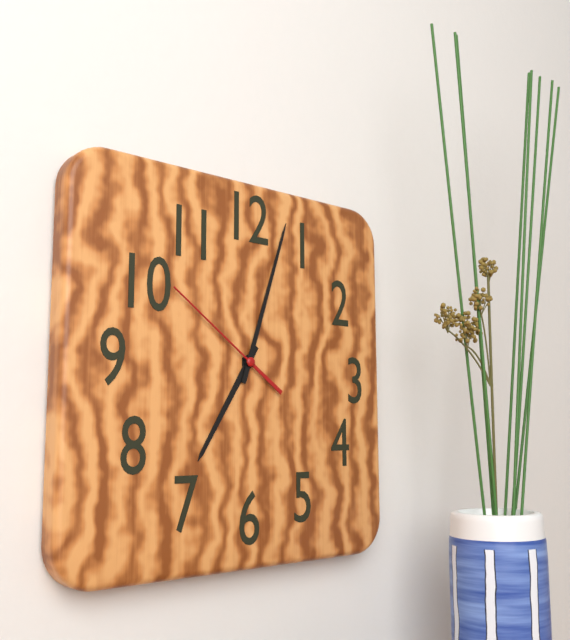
7,03,51
